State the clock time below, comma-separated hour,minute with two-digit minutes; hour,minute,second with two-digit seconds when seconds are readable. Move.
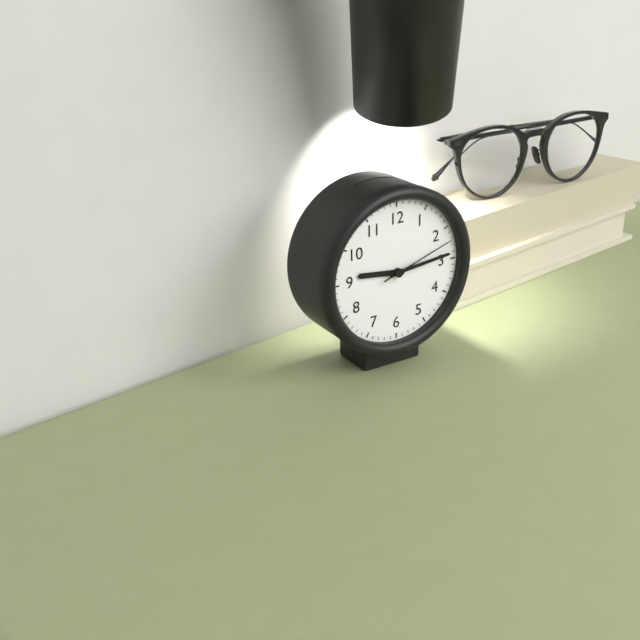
9,14,12
